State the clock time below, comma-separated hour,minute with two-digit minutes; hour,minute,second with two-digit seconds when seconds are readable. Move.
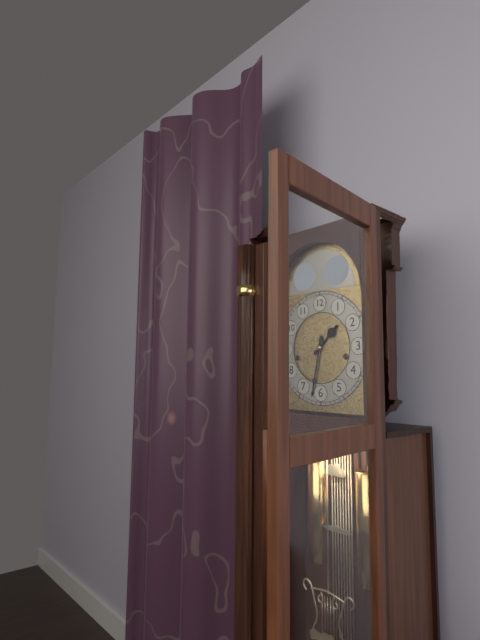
1,32
